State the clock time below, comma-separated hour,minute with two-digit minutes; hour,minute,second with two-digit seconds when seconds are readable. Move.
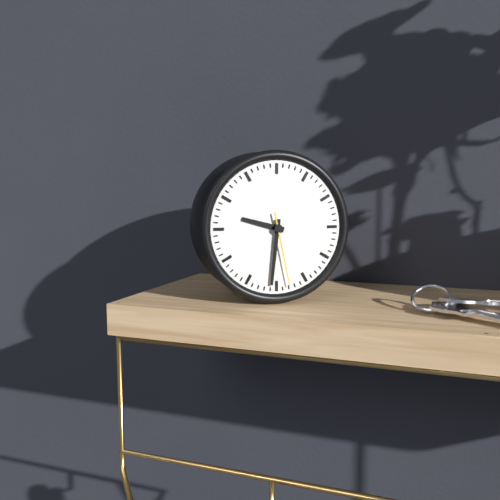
9,31,28
